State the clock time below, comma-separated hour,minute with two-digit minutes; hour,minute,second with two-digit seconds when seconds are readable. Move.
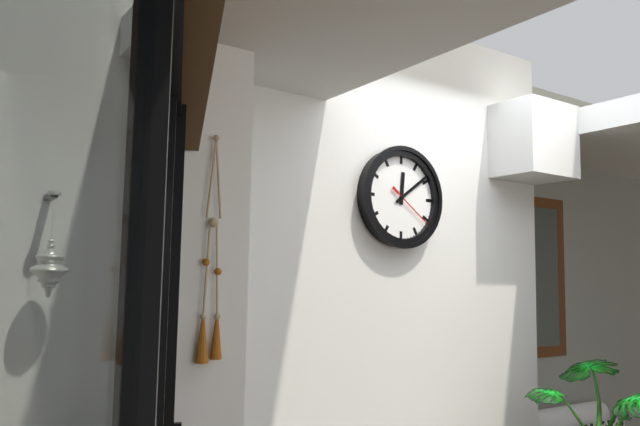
12,09
